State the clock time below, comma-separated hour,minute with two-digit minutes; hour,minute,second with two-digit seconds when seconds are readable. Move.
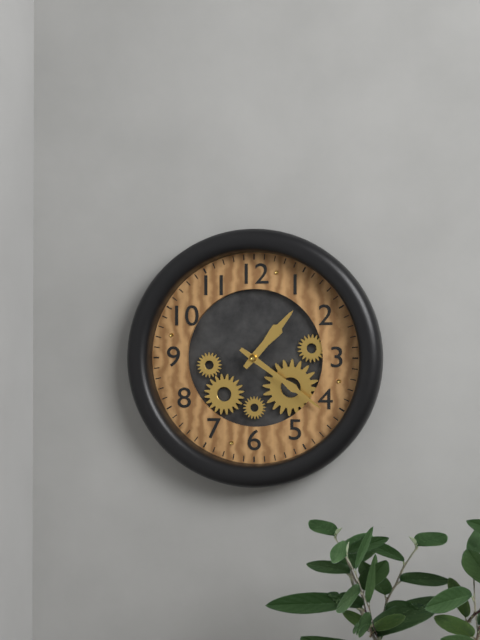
1,21
